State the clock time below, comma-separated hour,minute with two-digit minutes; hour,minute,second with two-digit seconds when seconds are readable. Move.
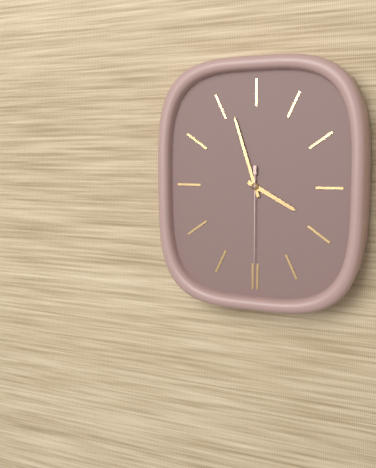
3,57,30
